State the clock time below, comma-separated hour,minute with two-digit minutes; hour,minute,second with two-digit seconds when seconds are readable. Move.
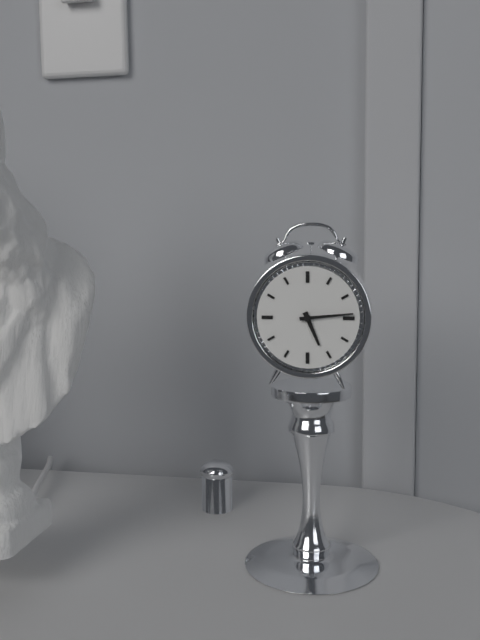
5,14
